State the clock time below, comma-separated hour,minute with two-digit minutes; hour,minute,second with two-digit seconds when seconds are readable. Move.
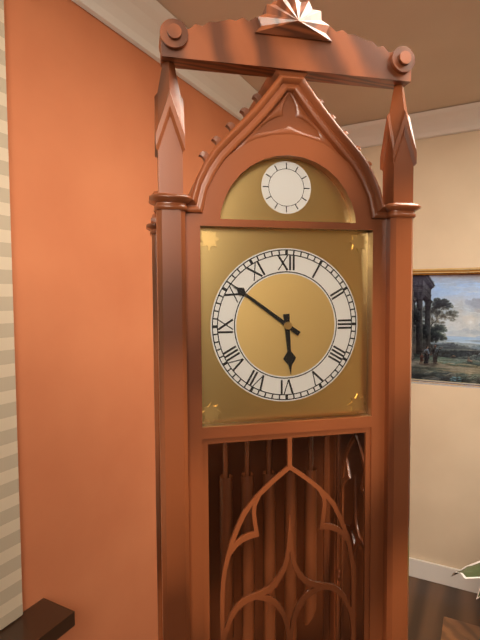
5,51
